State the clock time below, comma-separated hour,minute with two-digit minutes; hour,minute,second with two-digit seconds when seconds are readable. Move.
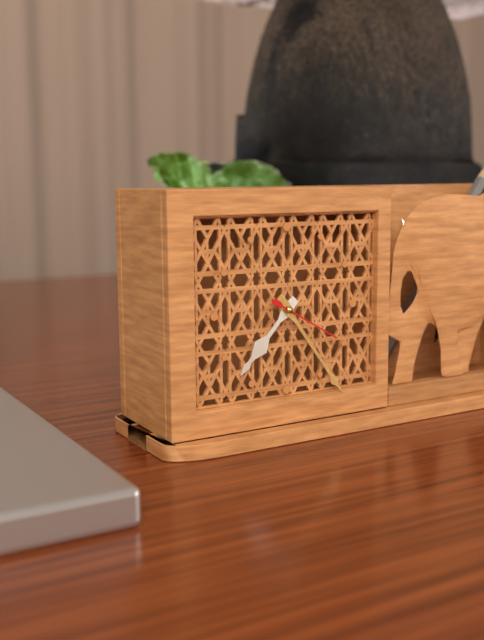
7,24,20
